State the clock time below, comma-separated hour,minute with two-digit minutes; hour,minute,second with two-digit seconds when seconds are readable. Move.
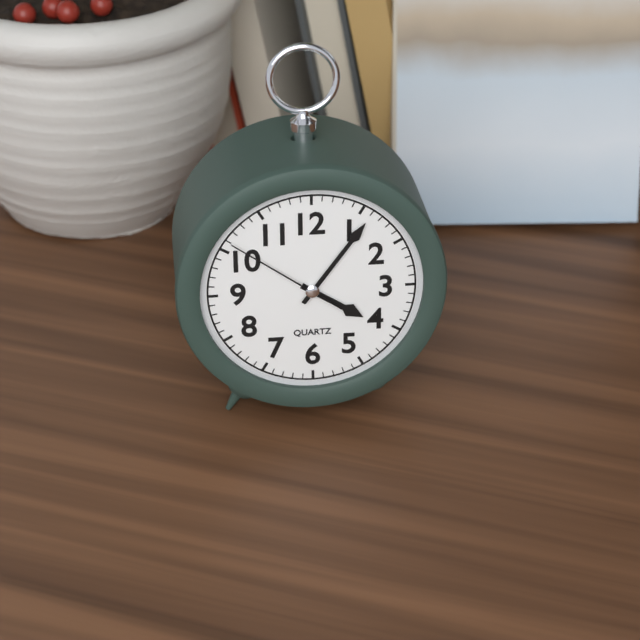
4,06,51
